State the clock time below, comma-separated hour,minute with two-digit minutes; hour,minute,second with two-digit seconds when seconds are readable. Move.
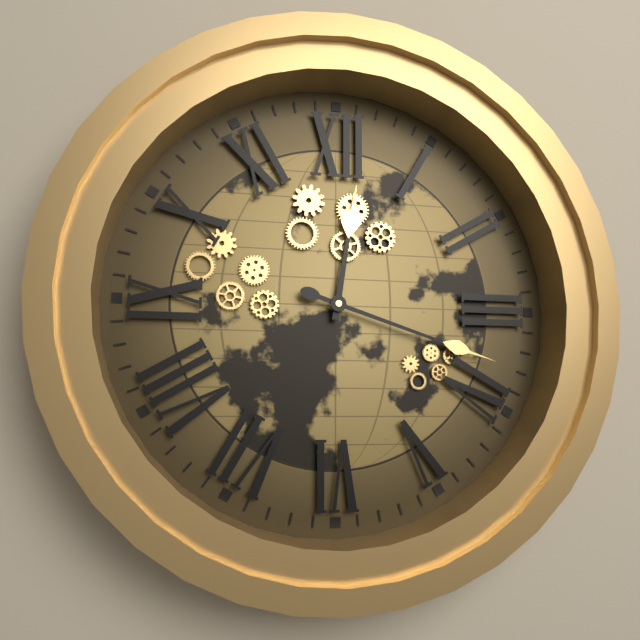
12,18
